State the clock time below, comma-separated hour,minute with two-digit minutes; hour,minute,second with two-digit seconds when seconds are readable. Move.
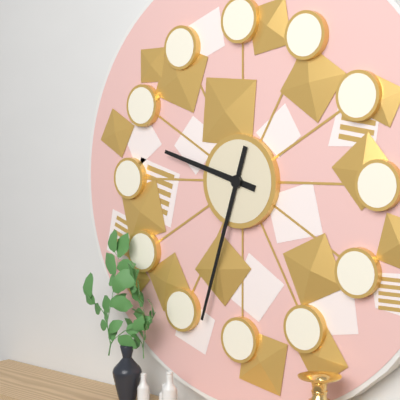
9,33
